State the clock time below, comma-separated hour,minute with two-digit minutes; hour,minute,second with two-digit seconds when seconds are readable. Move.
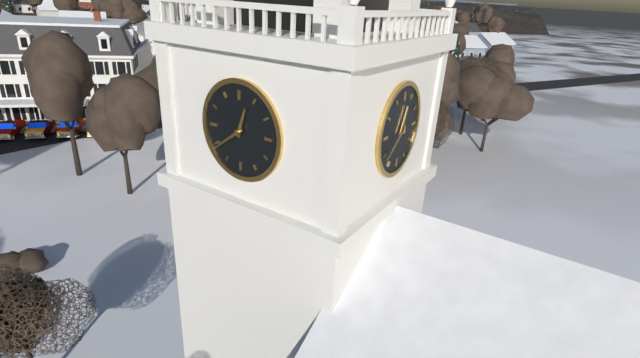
12,39
